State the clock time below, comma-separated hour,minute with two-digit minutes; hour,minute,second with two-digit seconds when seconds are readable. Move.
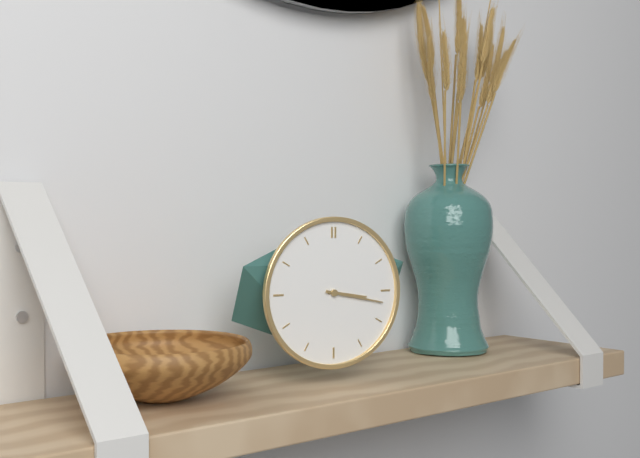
3,17
